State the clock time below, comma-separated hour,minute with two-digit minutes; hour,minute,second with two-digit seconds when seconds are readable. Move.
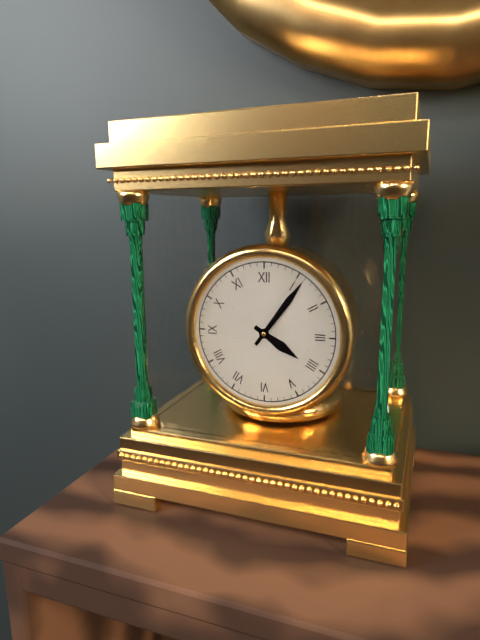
4,06
